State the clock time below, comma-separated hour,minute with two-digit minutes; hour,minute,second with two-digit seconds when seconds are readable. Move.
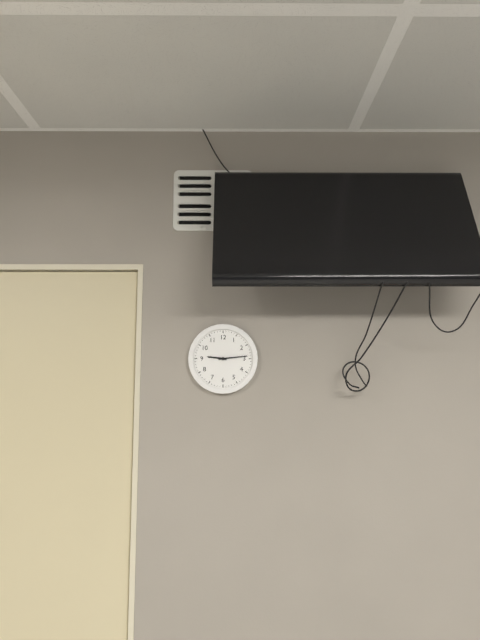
9,14
